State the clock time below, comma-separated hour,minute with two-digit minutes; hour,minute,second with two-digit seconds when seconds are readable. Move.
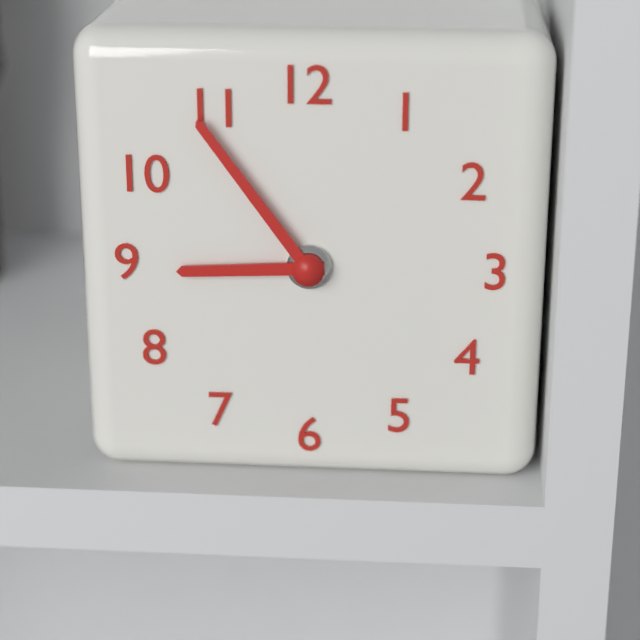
8,54
